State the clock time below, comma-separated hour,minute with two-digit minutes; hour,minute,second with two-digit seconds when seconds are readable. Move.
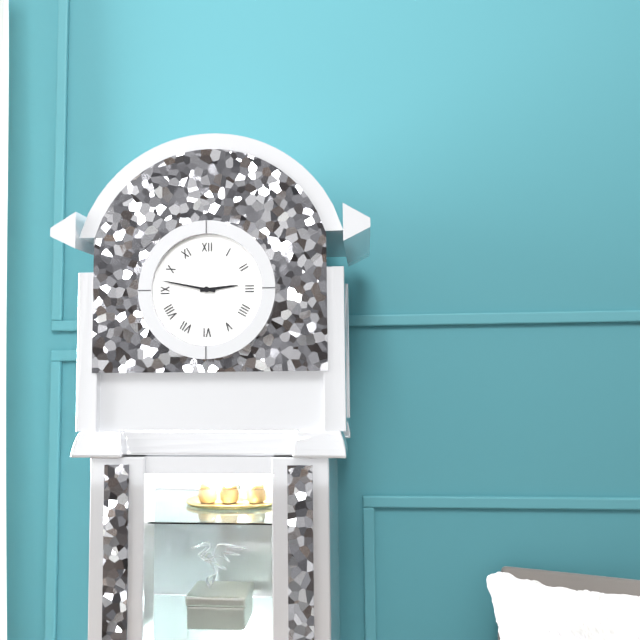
2,47
